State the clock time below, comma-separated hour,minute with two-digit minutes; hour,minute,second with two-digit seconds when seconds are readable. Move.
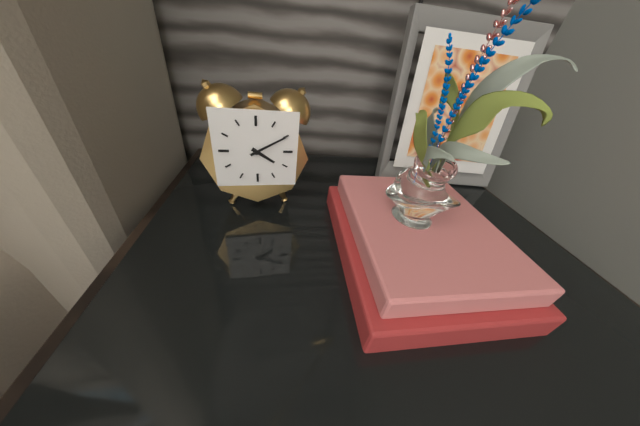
4,10
